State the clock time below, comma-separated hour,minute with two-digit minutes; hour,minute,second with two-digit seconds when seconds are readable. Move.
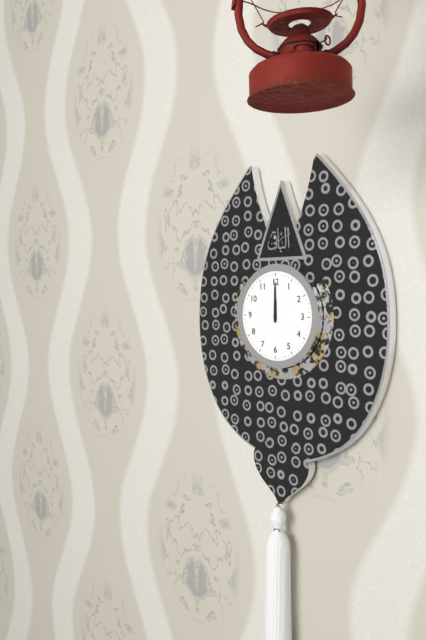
12,00
